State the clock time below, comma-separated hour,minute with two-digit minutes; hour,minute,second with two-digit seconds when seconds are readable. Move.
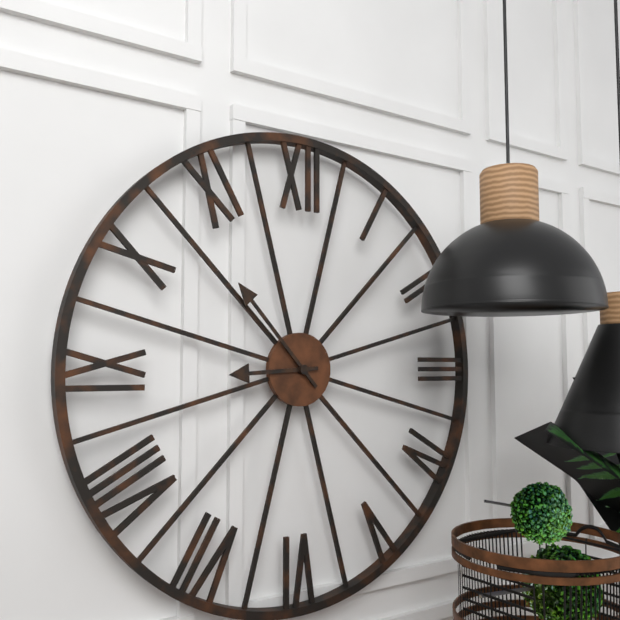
8,53
